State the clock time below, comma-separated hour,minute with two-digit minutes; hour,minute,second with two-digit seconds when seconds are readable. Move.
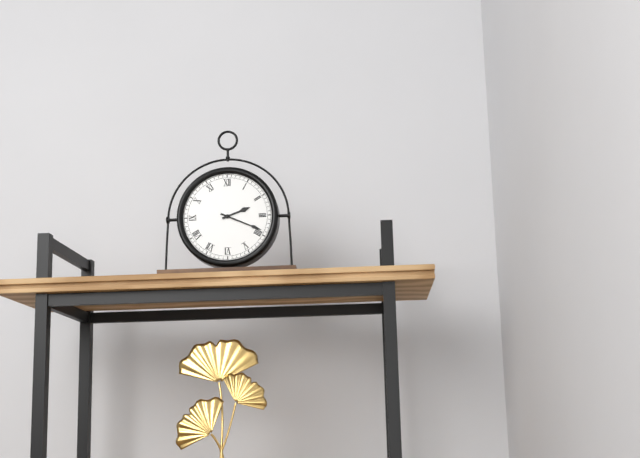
2,19
